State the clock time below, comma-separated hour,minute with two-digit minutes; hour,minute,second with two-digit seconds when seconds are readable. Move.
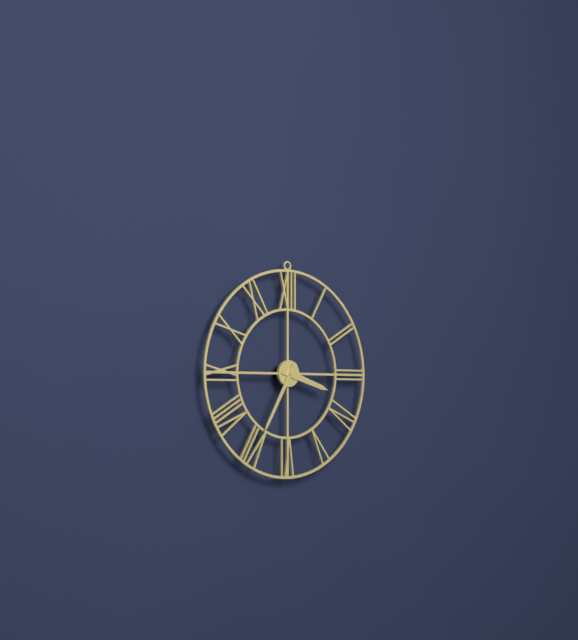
3,35
